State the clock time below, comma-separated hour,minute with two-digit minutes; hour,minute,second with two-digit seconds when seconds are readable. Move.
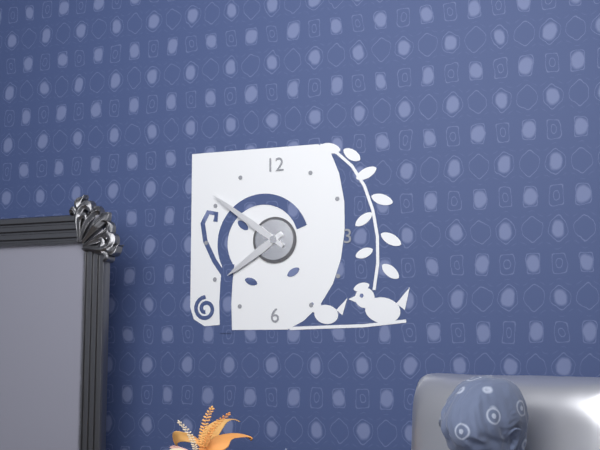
7,51
